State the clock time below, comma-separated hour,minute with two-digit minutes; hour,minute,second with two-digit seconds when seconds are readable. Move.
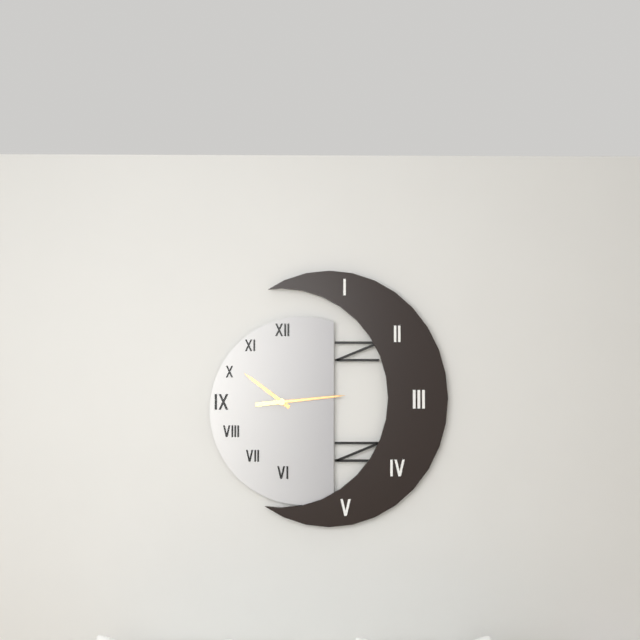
10,14,14
